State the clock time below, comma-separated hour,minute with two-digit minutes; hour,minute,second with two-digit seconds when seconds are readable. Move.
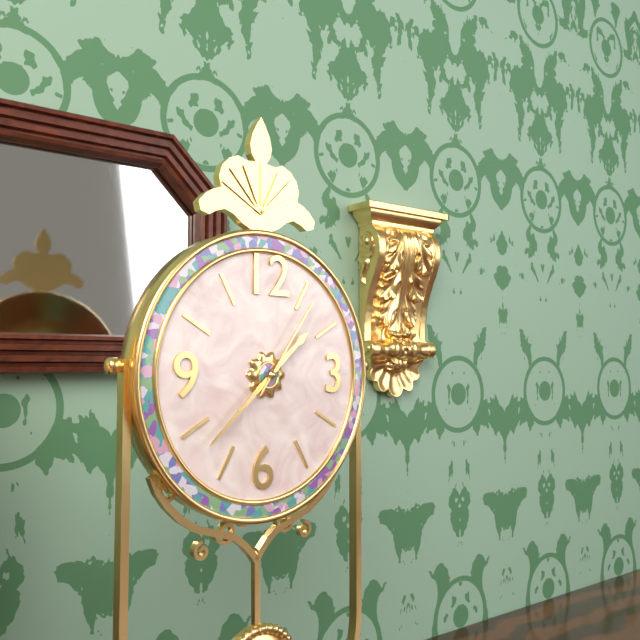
1,38,06
